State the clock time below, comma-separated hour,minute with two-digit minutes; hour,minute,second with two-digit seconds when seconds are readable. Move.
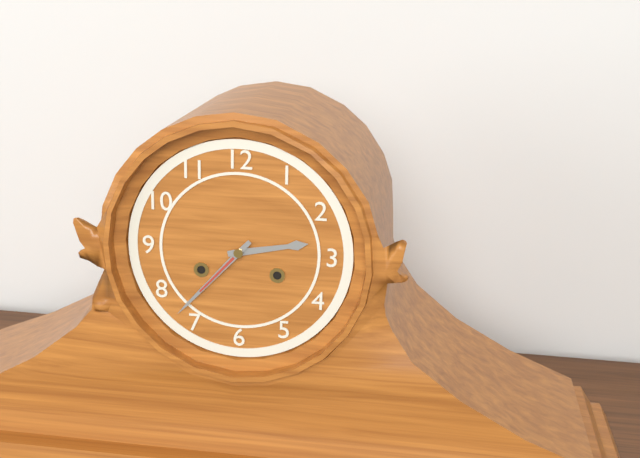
2,37
